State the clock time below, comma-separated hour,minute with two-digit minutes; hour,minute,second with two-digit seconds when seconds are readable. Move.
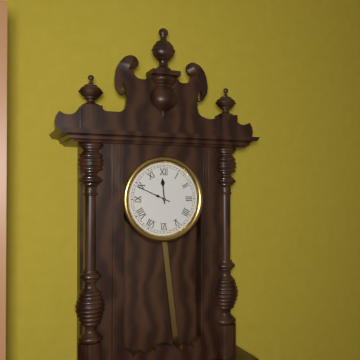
11,49
